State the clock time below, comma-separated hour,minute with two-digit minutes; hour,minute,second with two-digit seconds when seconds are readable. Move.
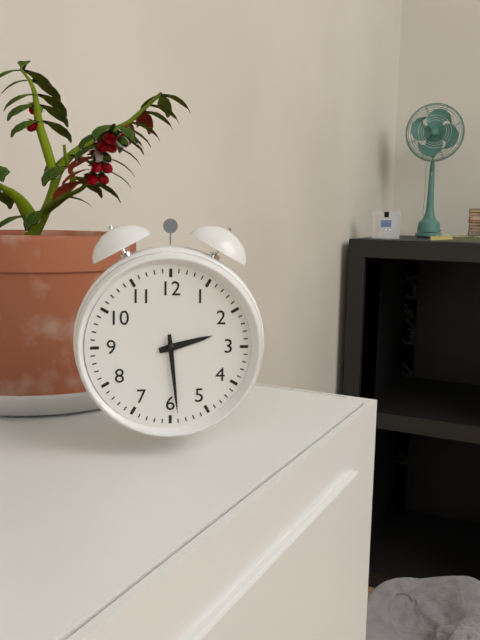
2,29
